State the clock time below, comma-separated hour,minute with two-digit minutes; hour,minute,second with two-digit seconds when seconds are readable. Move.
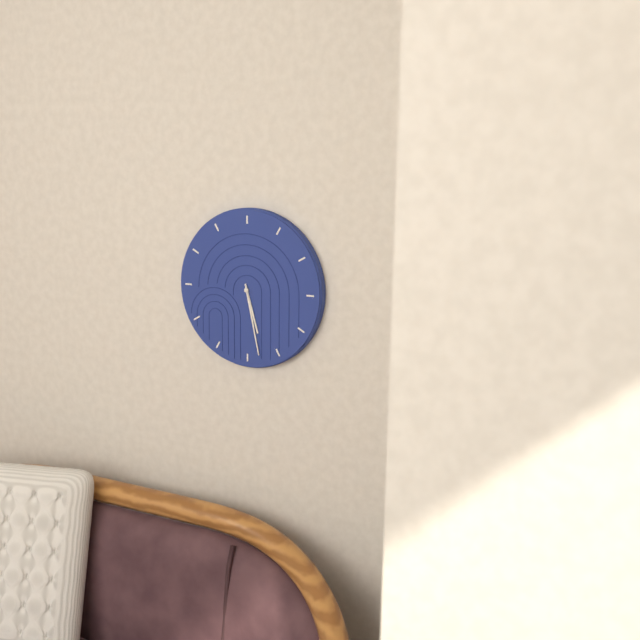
5,28
